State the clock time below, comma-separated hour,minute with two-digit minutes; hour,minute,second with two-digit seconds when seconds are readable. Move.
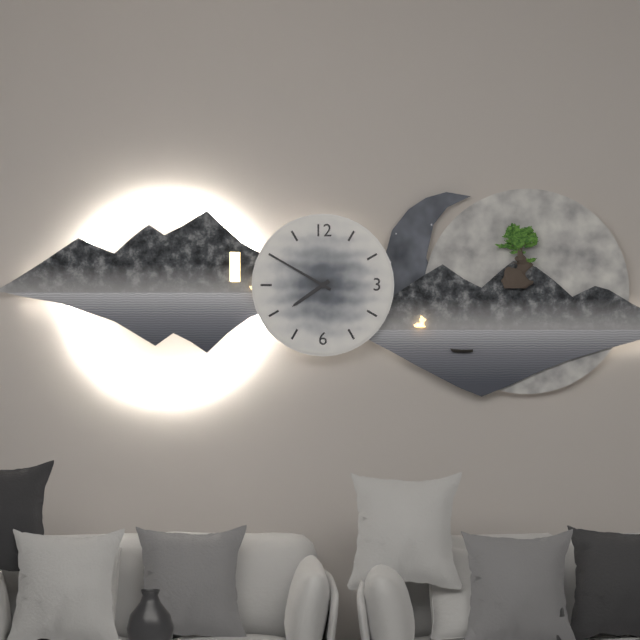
7,50
